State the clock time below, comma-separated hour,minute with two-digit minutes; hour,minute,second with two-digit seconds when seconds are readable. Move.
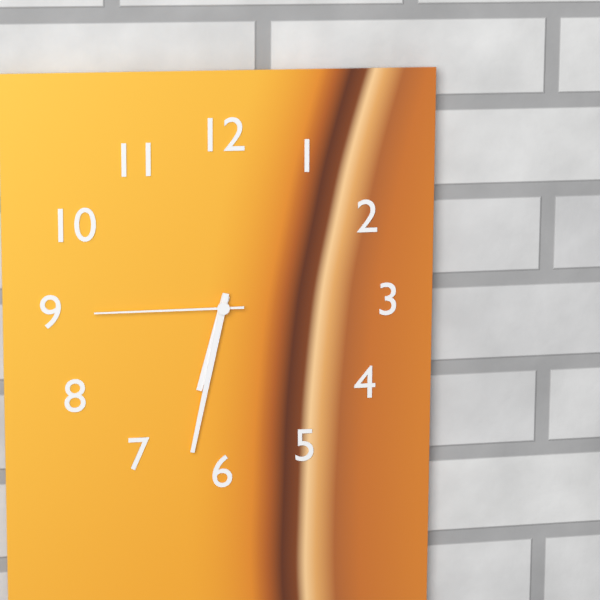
6,32,45
